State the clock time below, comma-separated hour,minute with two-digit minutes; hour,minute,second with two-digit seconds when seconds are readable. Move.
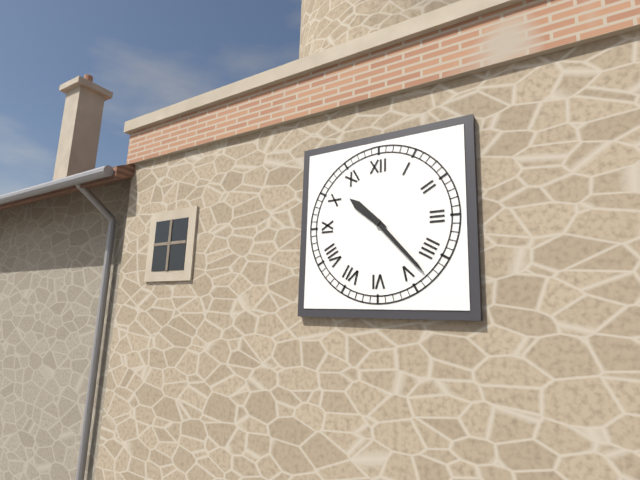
10,23
